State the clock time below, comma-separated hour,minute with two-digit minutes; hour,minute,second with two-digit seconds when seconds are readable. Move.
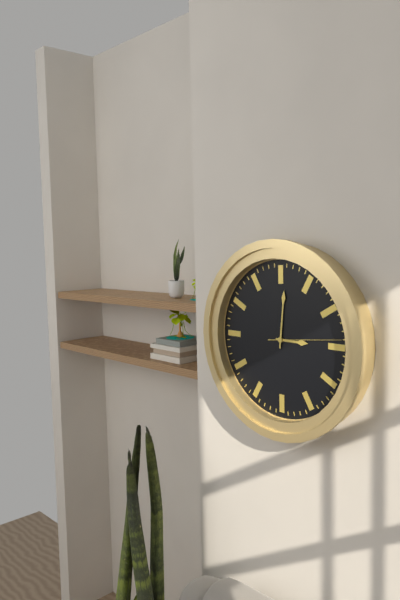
3,01,14
